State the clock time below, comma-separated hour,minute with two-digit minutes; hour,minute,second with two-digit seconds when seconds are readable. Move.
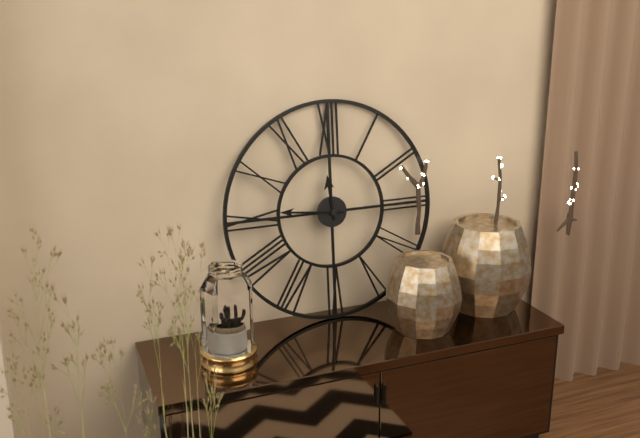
11,46
